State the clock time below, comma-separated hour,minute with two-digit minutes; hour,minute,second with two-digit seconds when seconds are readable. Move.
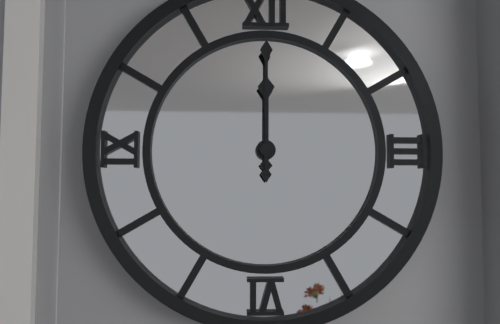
12,00
